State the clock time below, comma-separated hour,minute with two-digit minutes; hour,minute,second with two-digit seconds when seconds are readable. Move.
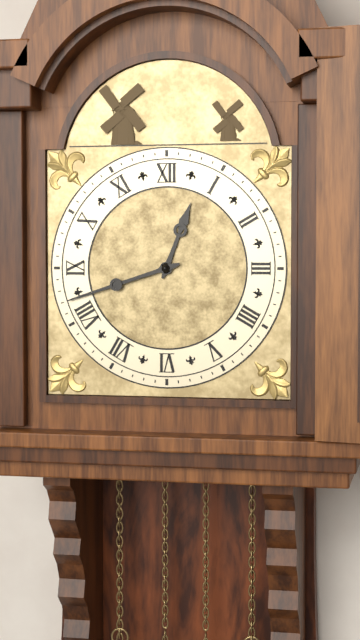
12,42
